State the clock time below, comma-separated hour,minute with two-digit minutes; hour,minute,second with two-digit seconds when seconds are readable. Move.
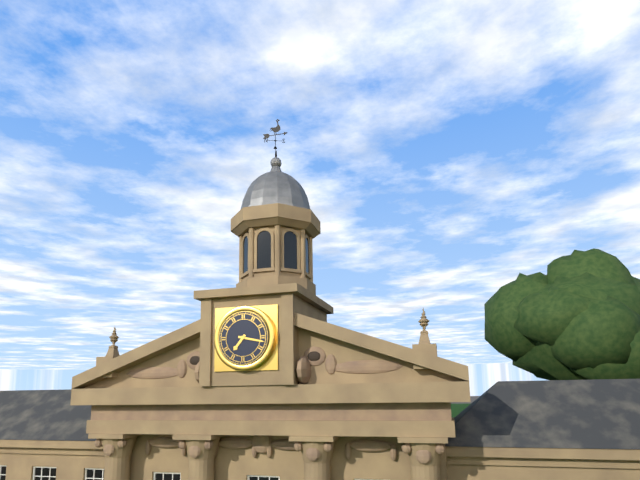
7,17
